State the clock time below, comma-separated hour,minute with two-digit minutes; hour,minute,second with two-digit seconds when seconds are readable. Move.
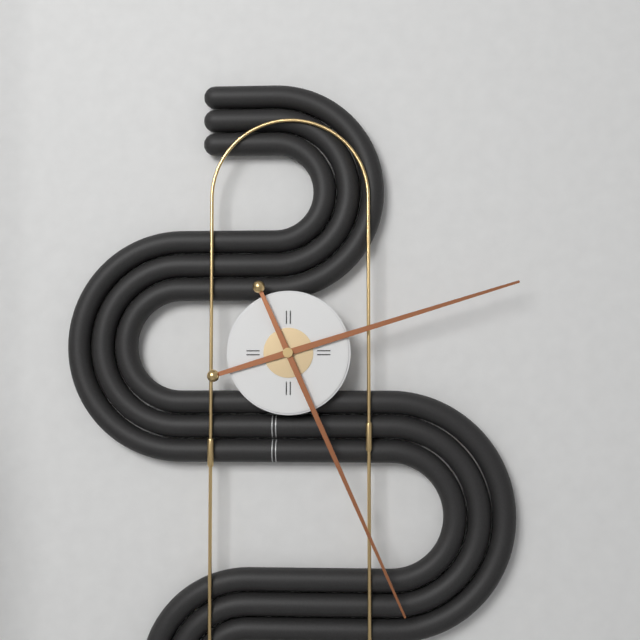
2,26
